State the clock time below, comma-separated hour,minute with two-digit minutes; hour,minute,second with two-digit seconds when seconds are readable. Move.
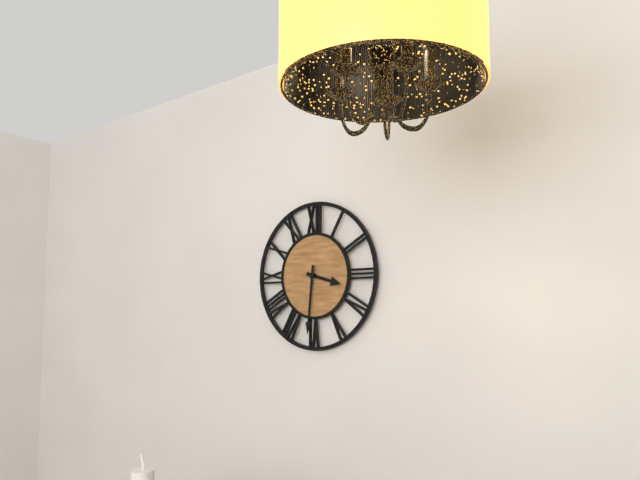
3,31
